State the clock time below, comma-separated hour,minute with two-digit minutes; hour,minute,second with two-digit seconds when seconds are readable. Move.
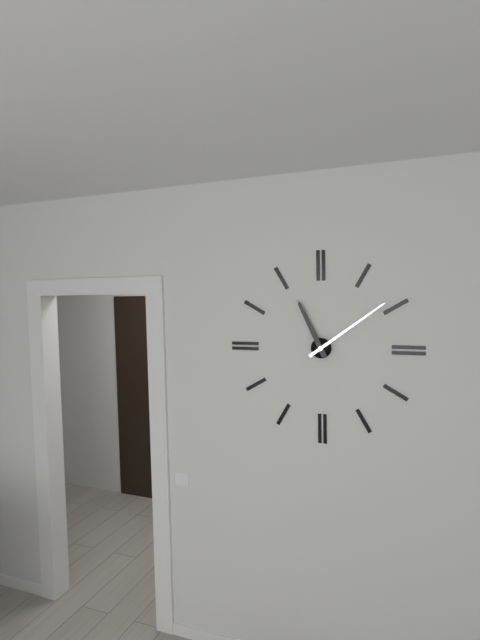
11,09
